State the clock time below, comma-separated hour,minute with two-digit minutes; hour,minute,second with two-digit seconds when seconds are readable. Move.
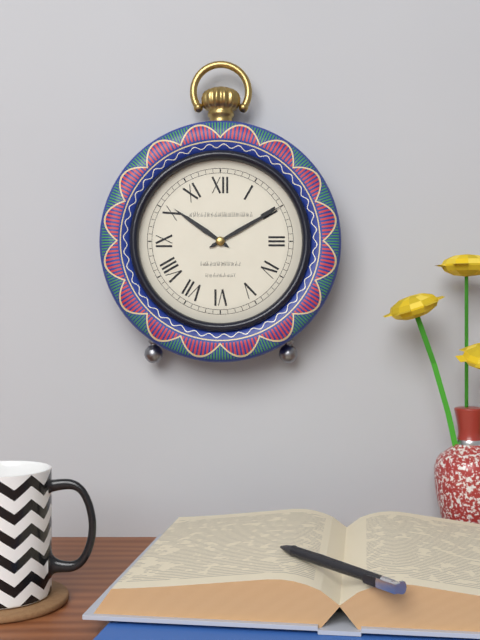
10,10
